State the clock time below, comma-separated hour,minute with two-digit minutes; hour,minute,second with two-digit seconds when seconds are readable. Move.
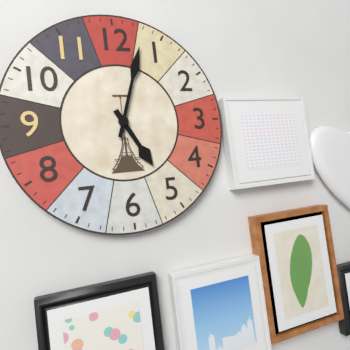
5,03
